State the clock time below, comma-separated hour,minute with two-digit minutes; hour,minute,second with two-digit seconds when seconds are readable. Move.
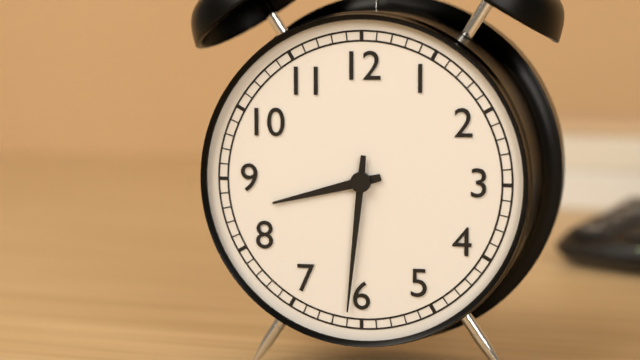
8,31
